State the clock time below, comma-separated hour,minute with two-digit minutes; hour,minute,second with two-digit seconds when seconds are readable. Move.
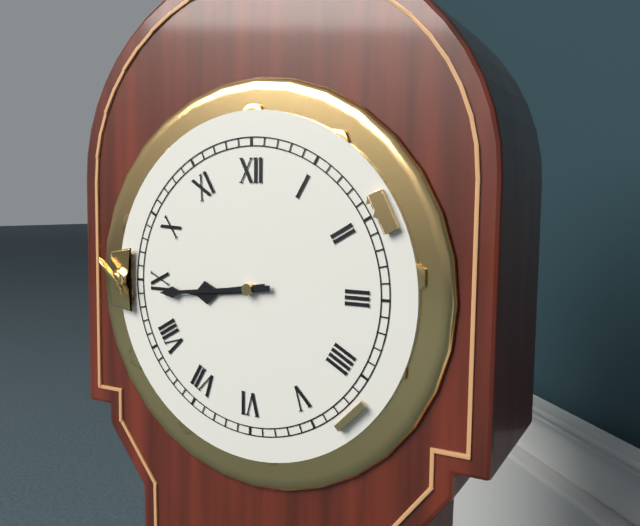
8,44
